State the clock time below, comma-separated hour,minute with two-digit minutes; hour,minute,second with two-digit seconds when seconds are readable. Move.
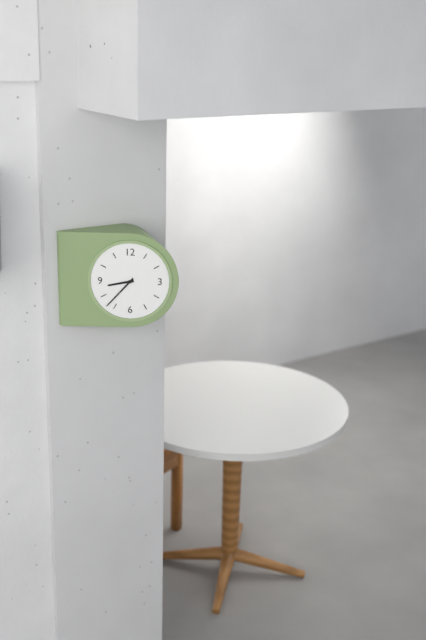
8,37
